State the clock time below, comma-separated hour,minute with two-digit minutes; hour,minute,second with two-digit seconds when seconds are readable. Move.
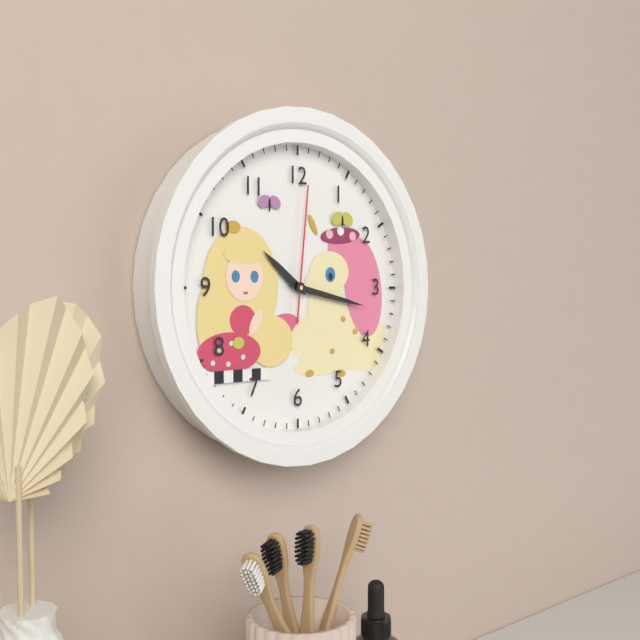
10,17,01
